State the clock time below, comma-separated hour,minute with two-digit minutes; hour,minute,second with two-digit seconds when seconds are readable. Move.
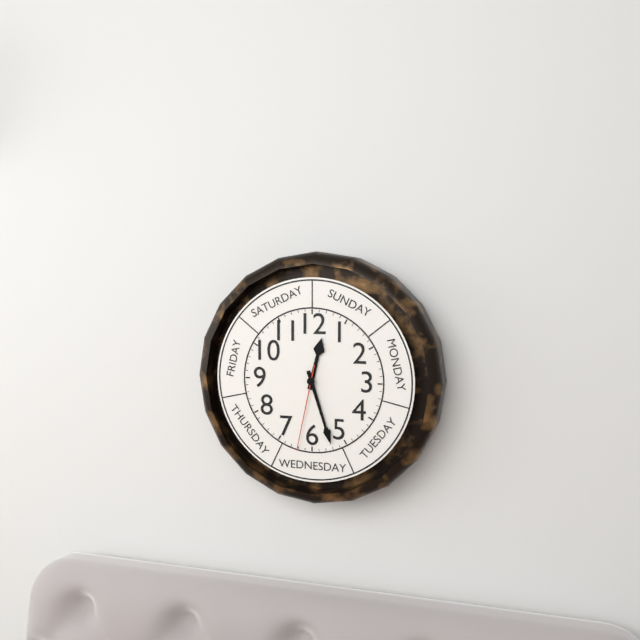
12,27,32
